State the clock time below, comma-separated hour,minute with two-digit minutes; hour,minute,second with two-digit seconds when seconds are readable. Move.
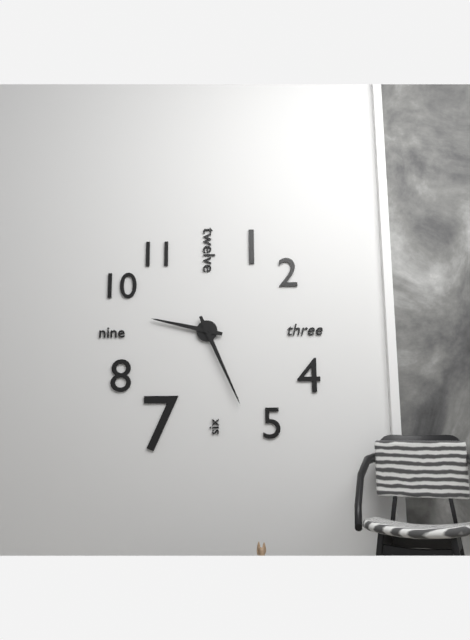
9,26
